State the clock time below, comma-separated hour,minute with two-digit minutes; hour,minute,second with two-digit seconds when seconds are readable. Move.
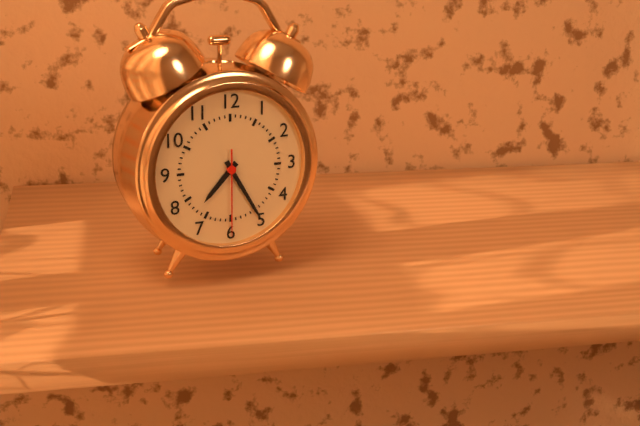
7,25,30
